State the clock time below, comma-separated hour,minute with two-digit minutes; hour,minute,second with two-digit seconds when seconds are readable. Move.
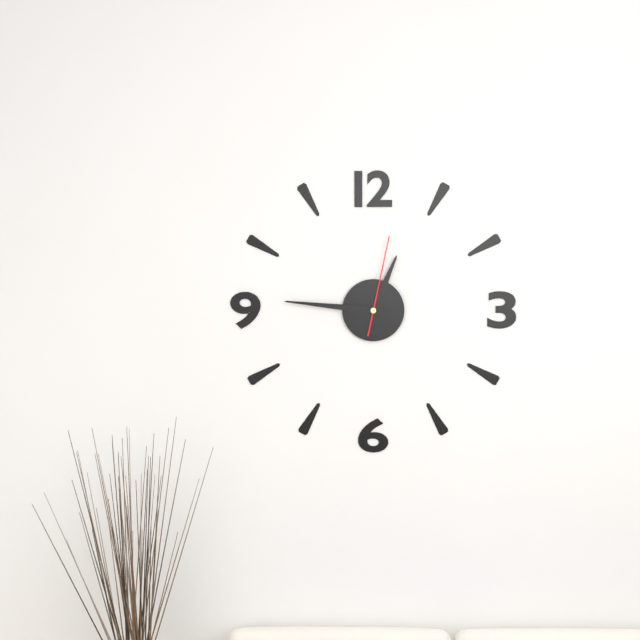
12,46,02
